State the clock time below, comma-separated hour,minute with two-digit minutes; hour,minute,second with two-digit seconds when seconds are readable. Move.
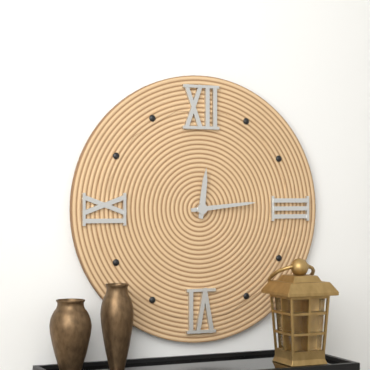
12,14
